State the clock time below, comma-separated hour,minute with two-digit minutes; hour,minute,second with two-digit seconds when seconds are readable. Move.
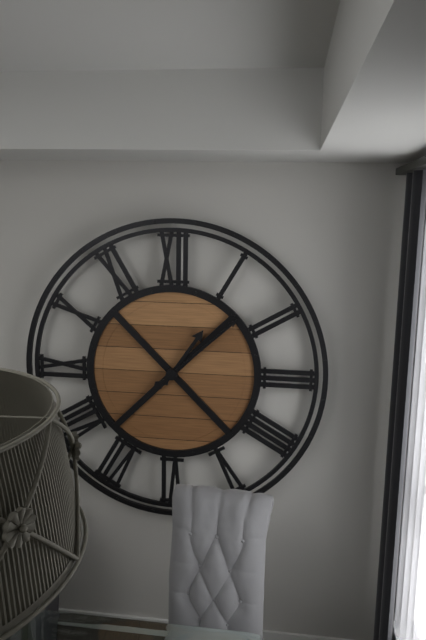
1,08
